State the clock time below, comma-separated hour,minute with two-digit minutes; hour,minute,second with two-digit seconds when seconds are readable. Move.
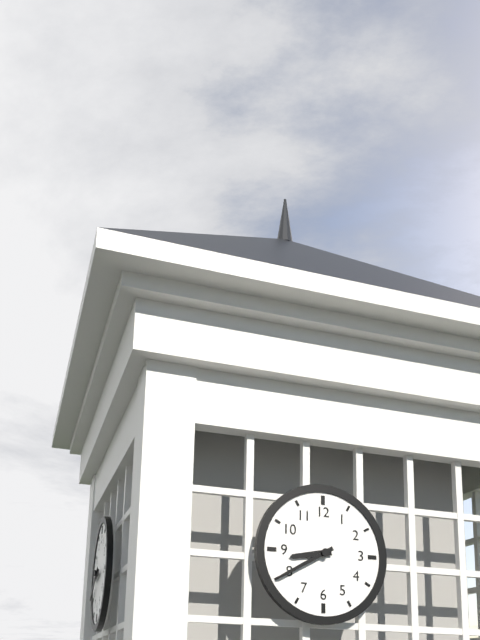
8,40
